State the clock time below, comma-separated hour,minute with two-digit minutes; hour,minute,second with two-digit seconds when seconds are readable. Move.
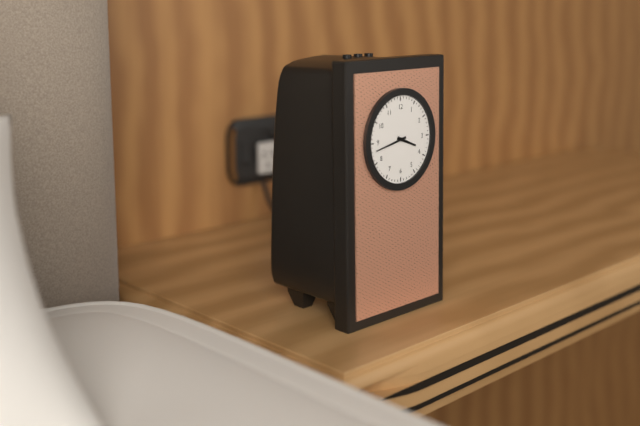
3,43
